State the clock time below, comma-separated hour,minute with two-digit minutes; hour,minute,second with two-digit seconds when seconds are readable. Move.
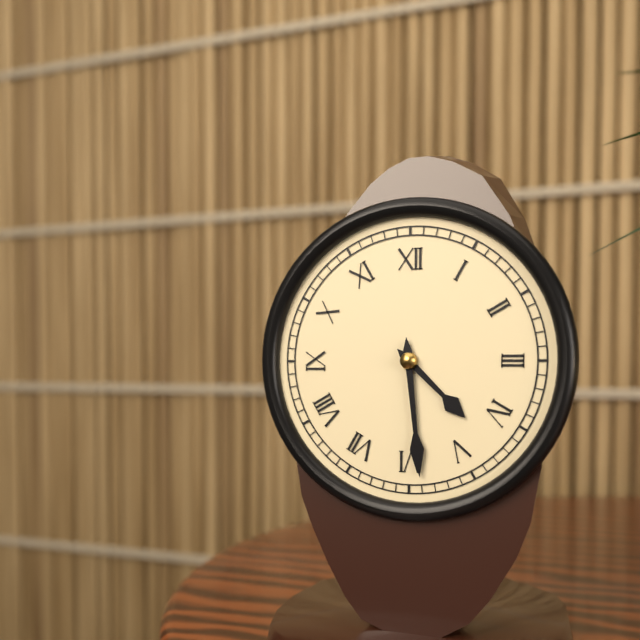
4,29
